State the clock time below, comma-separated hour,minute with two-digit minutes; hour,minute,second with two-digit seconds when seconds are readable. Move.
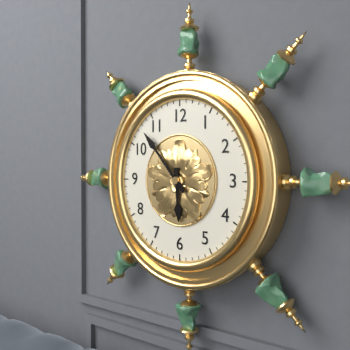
5,53
